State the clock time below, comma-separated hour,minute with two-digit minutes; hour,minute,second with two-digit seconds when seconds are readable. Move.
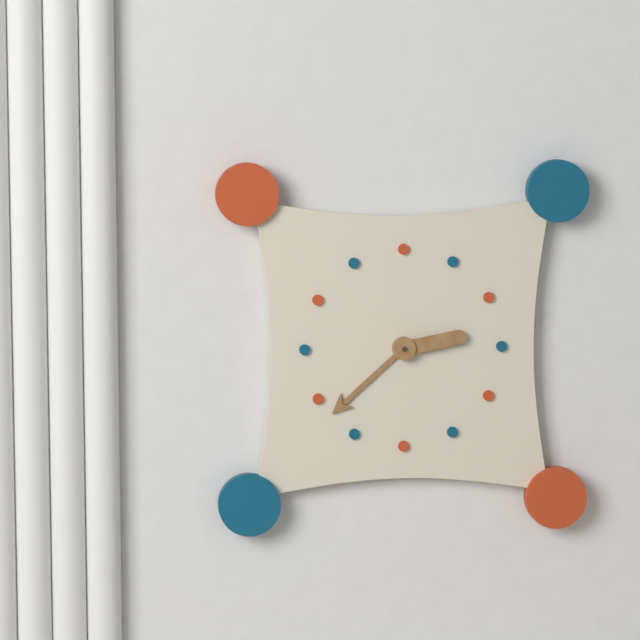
2,38
